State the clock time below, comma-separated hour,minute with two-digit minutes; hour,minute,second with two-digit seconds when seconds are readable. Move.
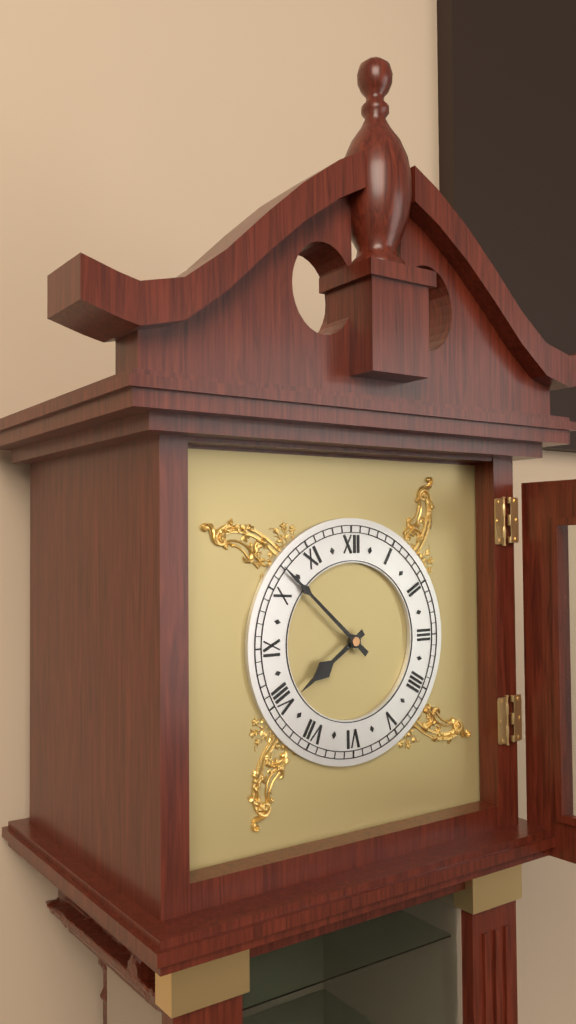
7,52
